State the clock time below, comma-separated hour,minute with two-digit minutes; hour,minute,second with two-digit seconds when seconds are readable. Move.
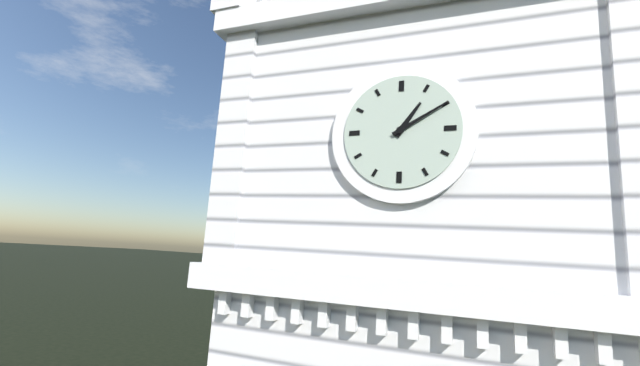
1,10
